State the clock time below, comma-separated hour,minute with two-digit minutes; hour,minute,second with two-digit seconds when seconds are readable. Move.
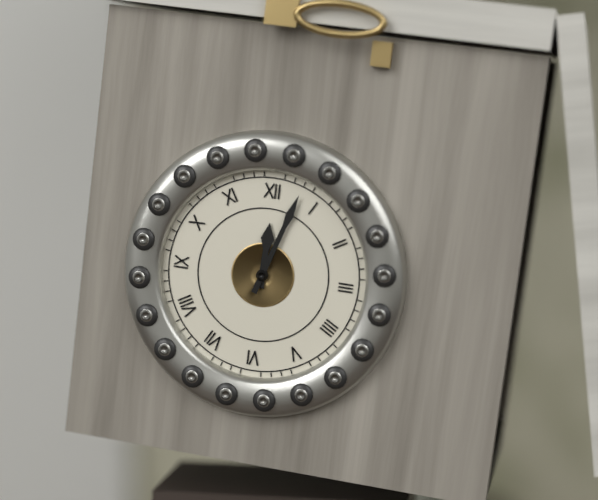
12,03
